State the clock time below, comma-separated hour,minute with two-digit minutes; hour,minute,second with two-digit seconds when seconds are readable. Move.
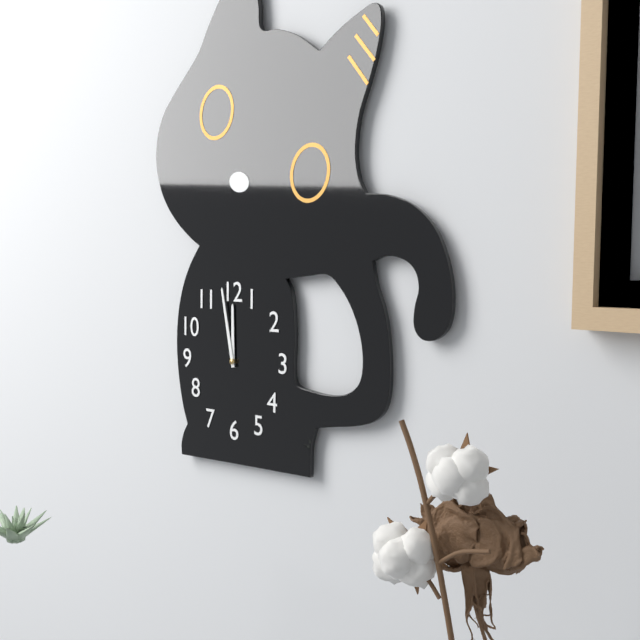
11,58
